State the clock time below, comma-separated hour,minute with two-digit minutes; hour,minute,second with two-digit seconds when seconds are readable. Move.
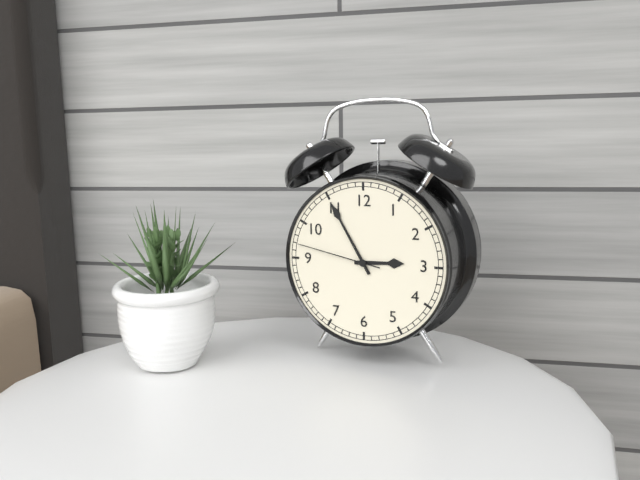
2,55,47
